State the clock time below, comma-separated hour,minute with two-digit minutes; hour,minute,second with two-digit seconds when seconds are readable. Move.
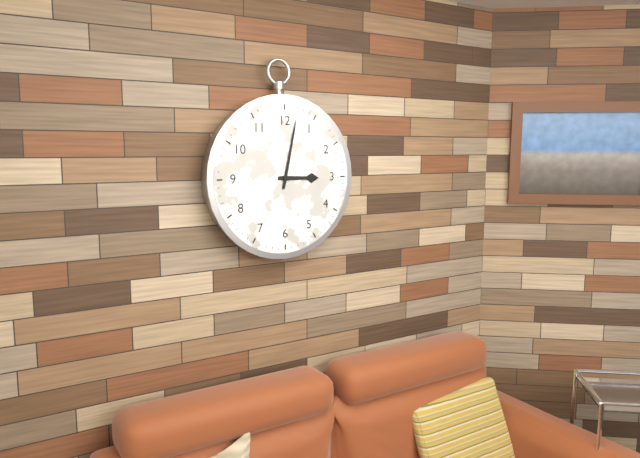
3,02
